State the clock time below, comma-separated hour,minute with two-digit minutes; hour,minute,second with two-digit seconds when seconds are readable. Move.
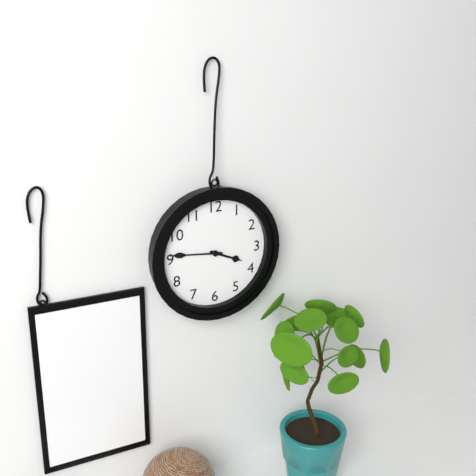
3,46
